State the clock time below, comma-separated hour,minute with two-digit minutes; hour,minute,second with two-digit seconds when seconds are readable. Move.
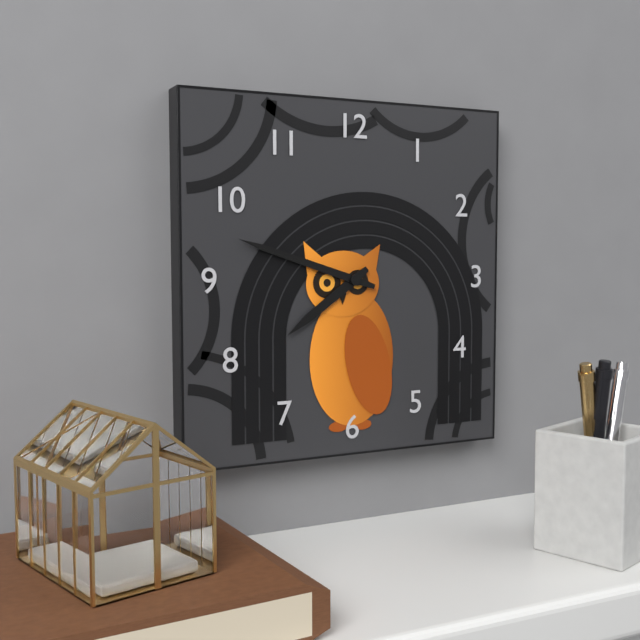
7,48
